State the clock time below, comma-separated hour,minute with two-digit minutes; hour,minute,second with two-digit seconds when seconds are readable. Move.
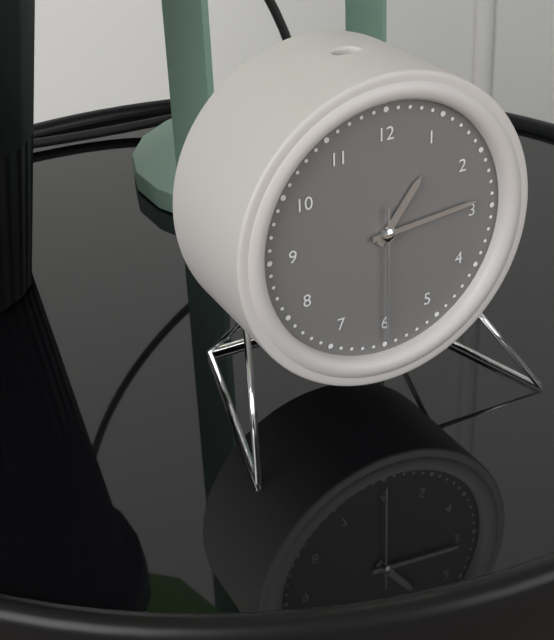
1,14,30
